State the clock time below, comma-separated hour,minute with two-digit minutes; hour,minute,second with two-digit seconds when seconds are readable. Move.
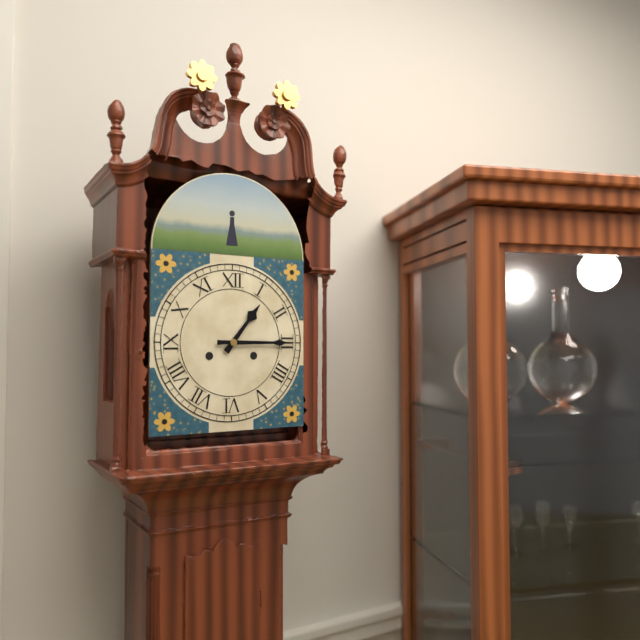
1,15
